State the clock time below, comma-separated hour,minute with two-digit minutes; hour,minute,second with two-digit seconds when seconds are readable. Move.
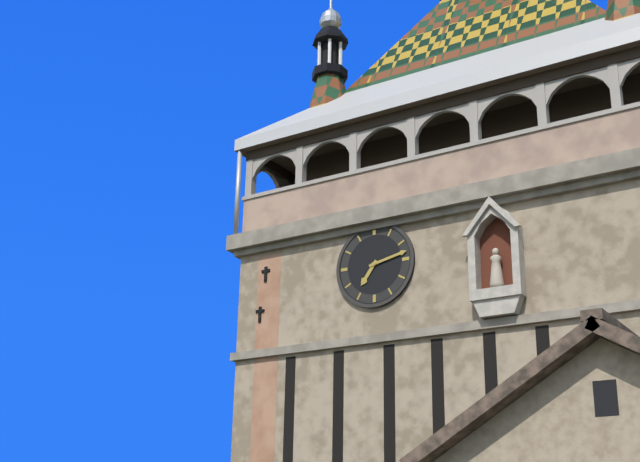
7,13
